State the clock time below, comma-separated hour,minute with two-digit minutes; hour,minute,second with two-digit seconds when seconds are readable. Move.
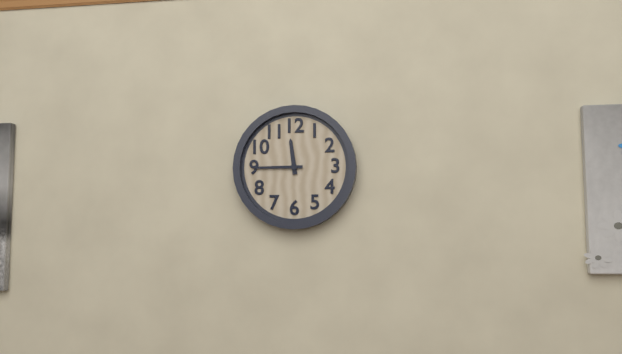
11,45
